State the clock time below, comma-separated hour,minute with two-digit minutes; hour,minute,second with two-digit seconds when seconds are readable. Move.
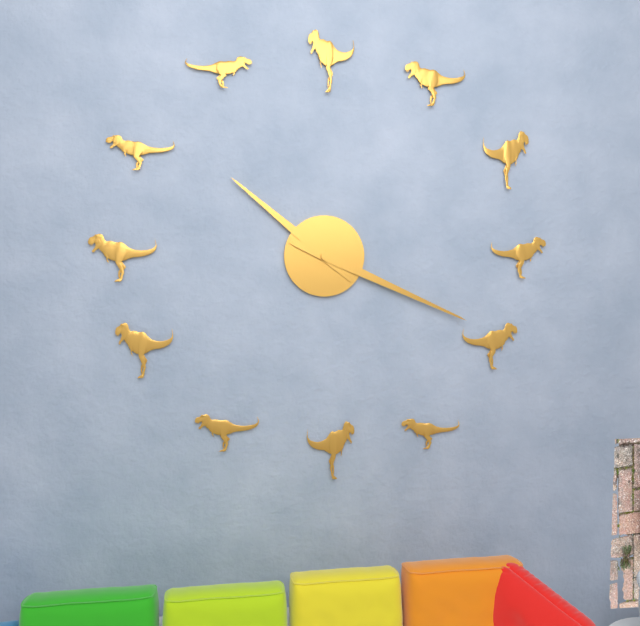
10,19
